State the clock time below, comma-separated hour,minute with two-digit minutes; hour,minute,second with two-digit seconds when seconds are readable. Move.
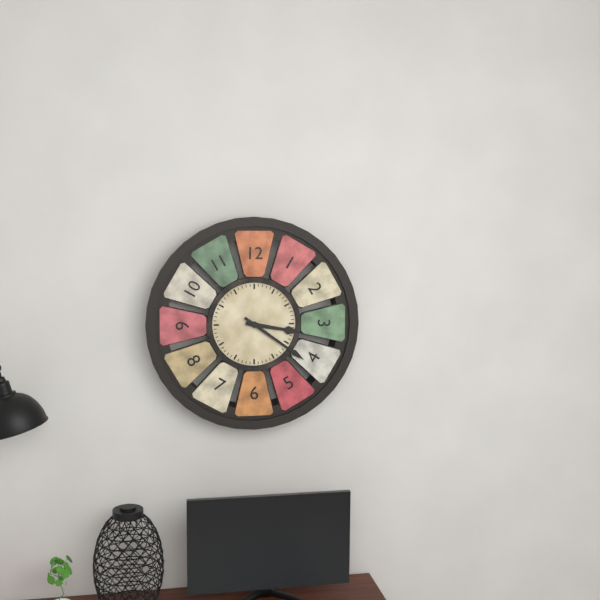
3,21
